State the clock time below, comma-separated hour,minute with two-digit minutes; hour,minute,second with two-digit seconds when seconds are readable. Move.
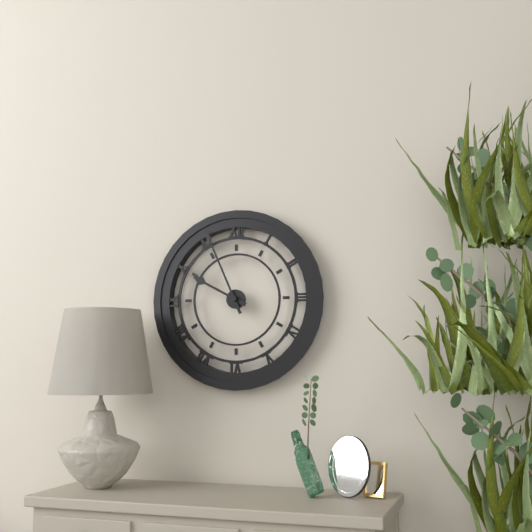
9,56
